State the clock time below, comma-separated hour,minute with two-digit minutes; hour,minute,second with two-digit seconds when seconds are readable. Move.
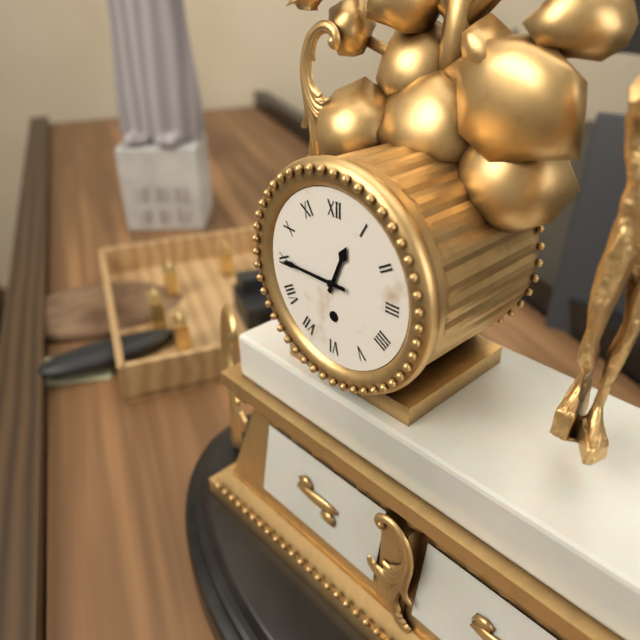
12,45
